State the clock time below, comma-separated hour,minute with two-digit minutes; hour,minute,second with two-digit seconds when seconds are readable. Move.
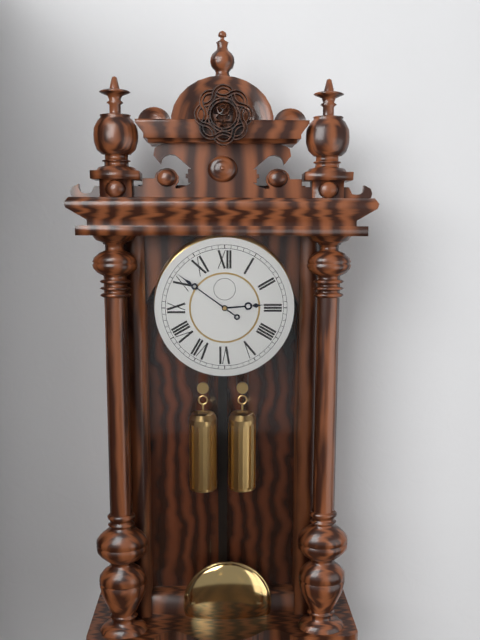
2,51
